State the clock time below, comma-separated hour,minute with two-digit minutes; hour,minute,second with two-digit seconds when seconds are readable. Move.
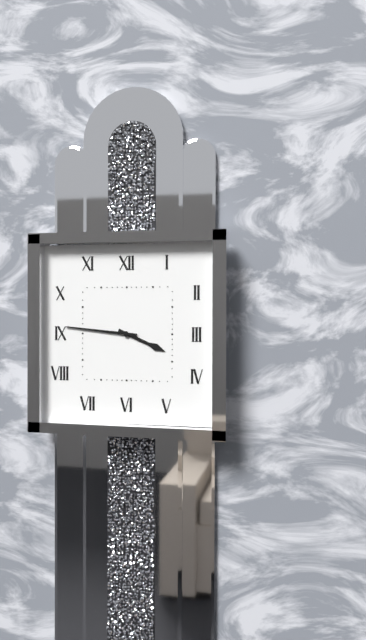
3,46
